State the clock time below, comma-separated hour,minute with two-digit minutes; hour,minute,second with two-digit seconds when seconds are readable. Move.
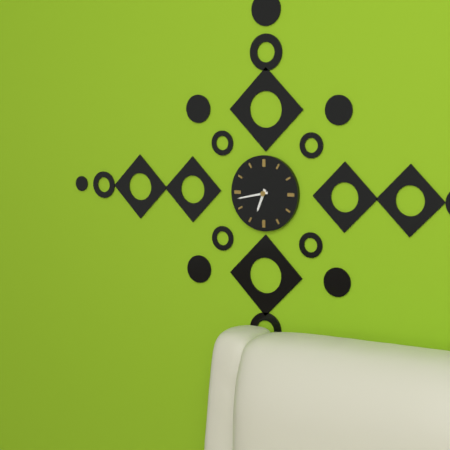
6,43
